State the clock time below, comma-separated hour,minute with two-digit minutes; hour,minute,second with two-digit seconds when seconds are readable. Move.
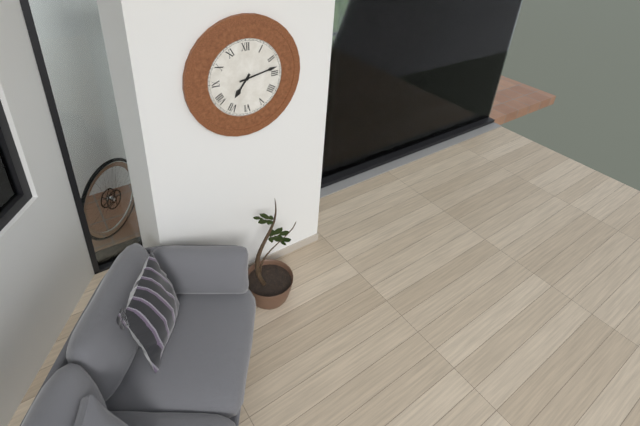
7,13
